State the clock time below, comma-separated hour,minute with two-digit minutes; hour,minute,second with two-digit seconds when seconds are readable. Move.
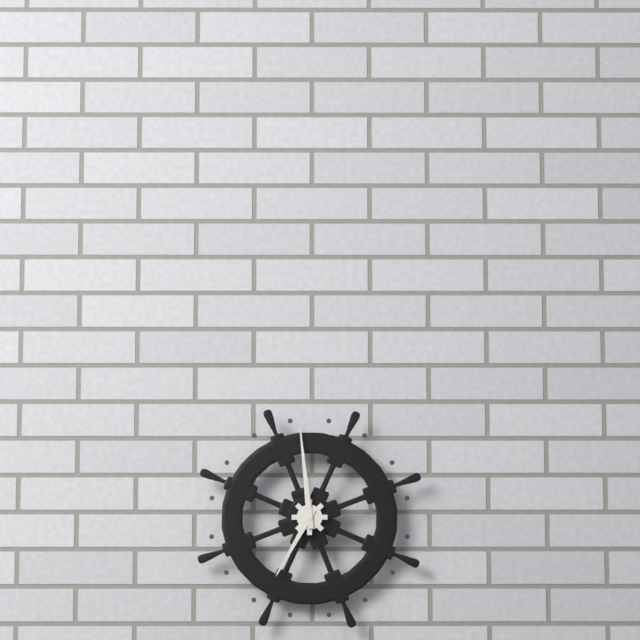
6,59
